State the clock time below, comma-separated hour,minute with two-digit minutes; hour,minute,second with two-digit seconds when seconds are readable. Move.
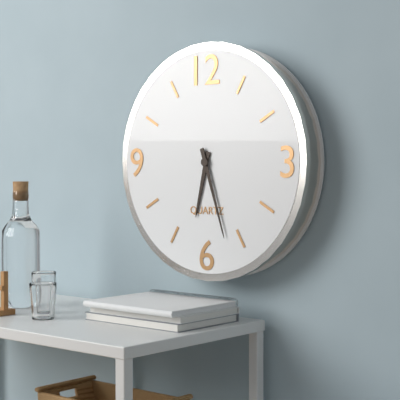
6,27
